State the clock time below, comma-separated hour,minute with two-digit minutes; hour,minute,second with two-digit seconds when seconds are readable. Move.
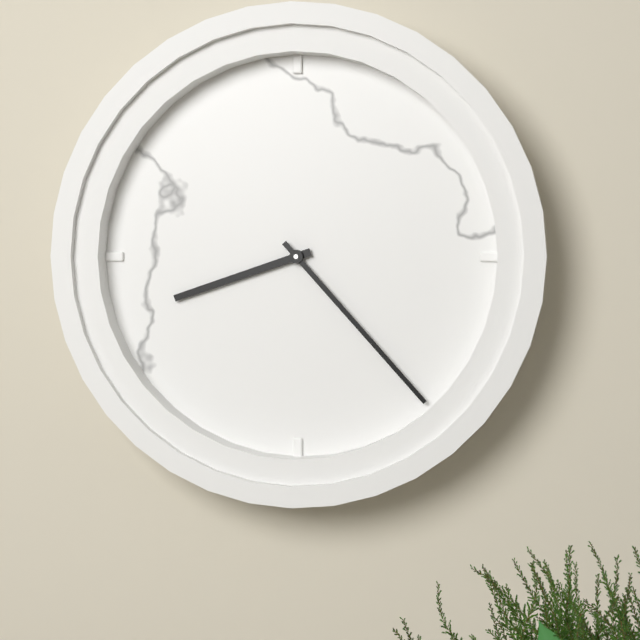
8,23
